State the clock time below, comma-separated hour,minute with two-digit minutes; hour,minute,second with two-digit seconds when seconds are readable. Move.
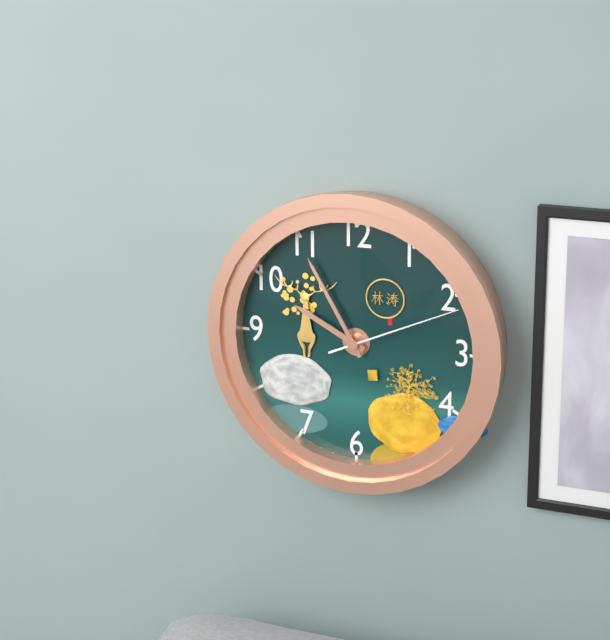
9,55,11
